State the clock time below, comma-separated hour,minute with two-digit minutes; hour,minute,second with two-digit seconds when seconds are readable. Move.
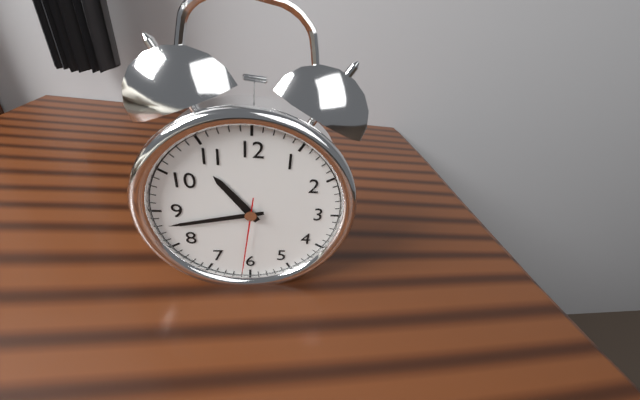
10,43,31
